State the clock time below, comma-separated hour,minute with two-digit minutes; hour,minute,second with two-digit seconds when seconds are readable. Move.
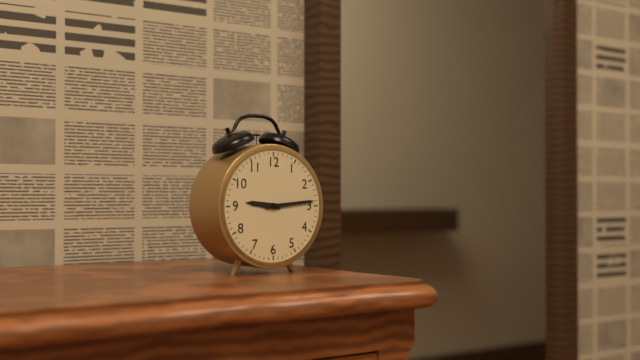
9,14
